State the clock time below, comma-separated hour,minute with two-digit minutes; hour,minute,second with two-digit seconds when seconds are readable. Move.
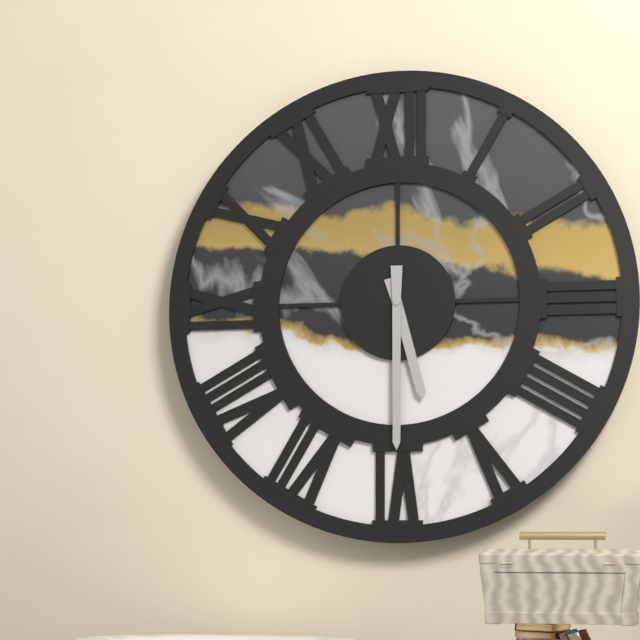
5,30
